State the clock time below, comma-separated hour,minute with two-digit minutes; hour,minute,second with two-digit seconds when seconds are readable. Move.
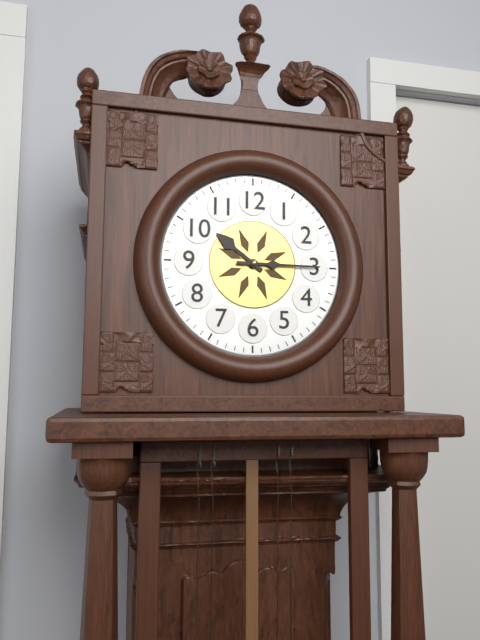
10,15
